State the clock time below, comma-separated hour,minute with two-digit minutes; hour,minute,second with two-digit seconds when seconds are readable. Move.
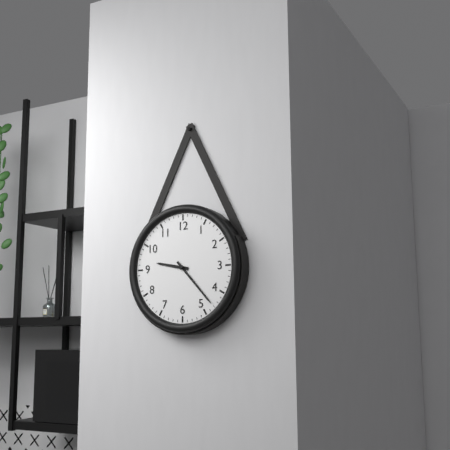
9,23
